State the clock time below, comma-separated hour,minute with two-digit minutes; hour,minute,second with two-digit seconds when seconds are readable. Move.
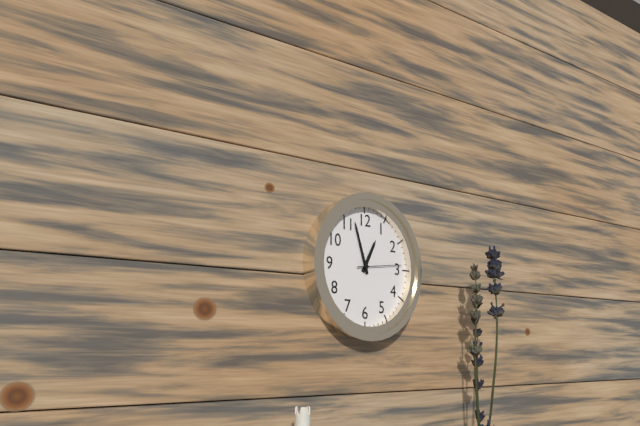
12,57
